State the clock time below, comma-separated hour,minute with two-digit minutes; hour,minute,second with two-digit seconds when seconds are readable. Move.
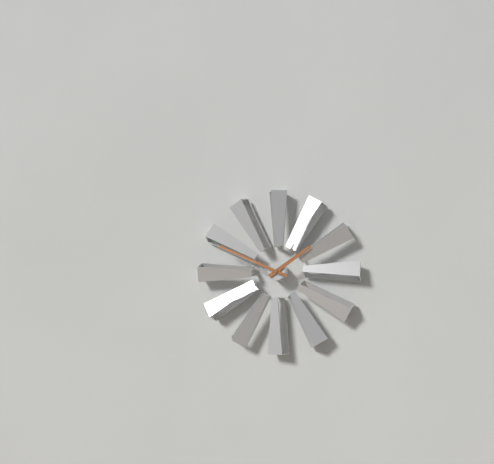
1,49
